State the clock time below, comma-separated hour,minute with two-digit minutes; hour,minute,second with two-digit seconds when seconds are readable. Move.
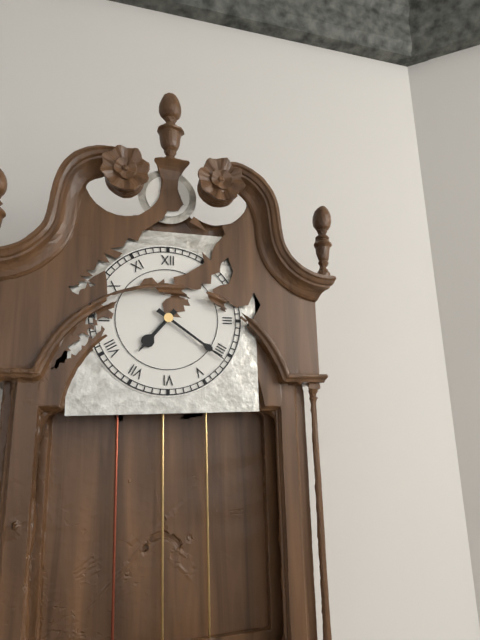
7,21
